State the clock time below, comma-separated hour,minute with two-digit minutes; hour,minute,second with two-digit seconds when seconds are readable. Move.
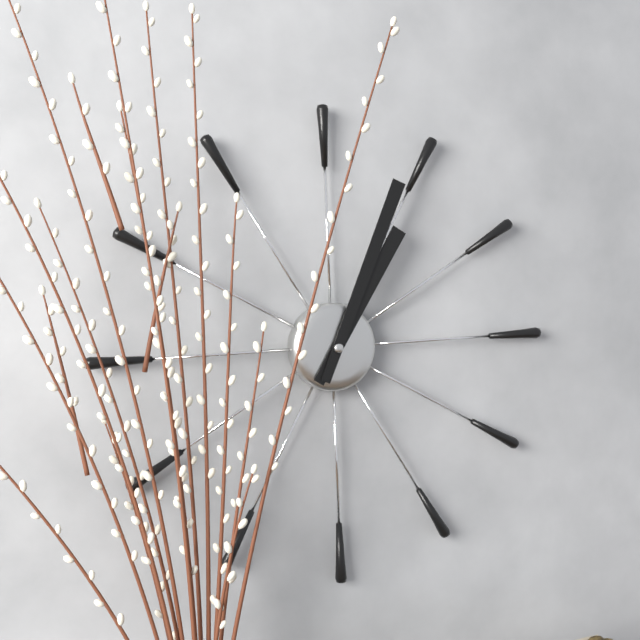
1,04
